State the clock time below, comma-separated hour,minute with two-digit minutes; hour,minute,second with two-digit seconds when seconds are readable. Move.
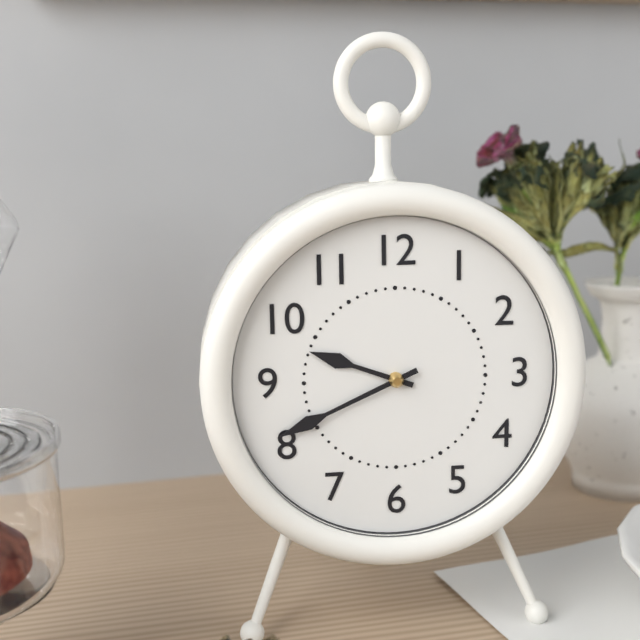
9,41
